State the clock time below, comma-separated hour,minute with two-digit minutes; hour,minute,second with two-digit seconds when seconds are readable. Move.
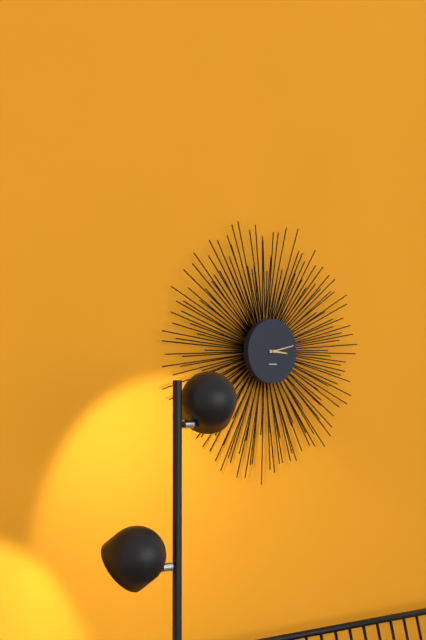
3,13
